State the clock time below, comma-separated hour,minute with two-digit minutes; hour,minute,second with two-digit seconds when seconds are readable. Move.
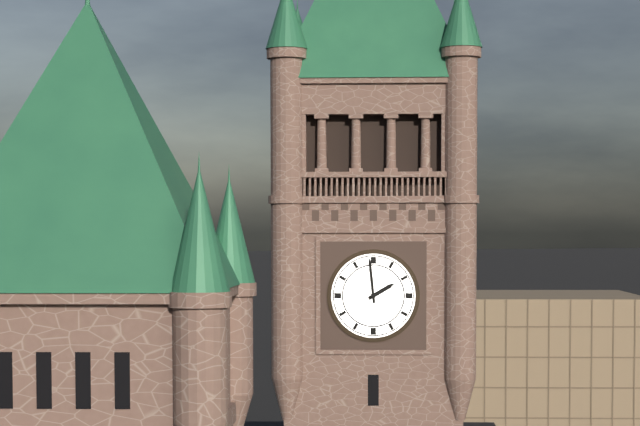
1,59
